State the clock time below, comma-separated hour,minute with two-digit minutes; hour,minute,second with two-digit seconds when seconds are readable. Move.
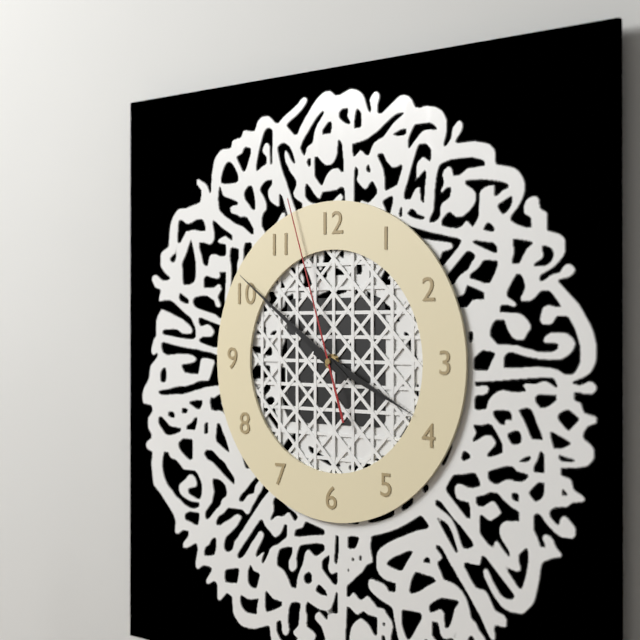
3,51,57
